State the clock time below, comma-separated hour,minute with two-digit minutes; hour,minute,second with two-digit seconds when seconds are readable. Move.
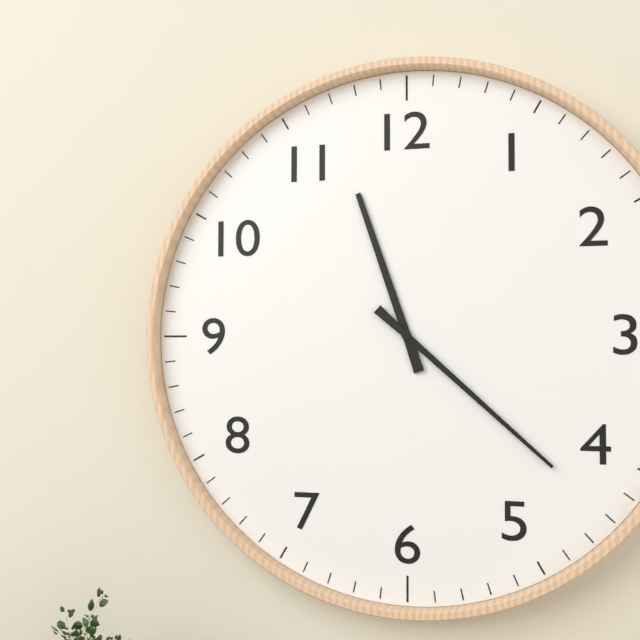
11,22
